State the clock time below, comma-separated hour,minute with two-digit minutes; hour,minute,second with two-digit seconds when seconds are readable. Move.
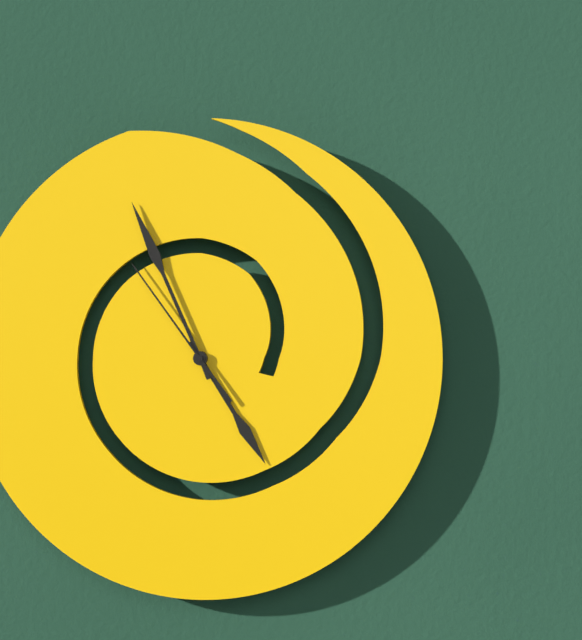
4,56,54
